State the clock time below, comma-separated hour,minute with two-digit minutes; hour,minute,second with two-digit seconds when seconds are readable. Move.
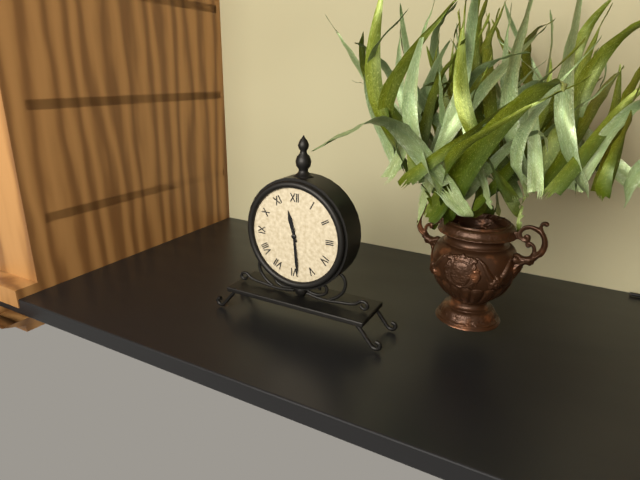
11,29
